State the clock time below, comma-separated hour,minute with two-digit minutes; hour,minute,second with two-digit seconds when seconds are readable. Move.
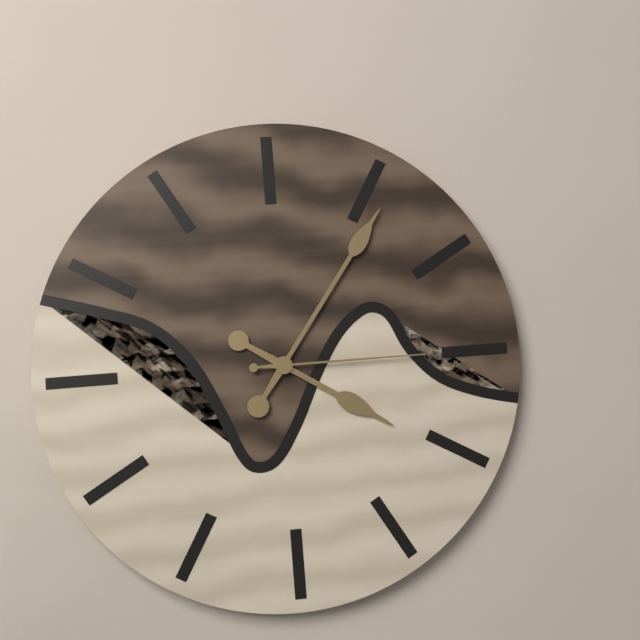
4,06,15
